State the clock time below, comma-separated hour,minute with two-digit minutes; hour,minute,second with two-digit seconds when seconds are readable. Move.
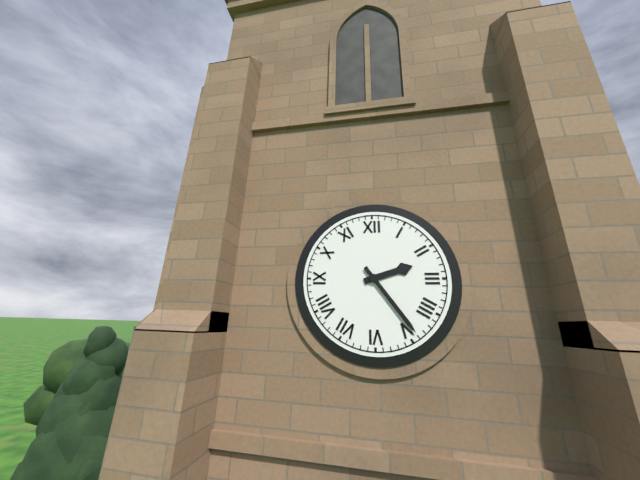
2,24
